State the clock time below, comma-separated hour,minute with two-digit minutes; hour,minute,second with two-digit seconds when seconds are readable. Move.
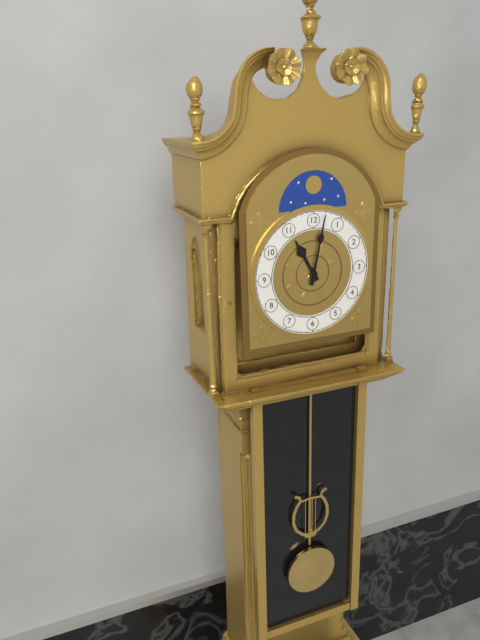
11,02
